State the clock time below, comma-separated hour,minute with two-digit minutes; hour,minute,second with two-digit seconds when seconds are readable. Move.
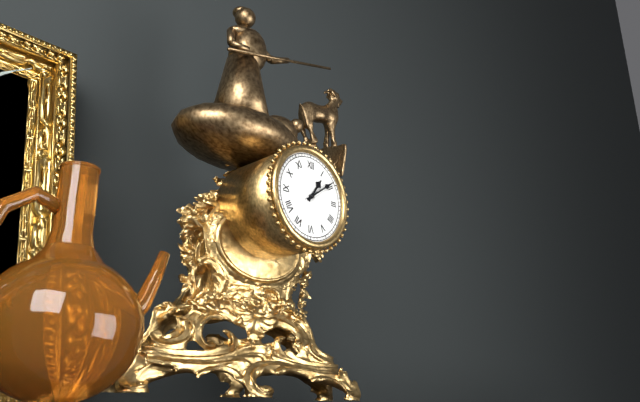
1,09
